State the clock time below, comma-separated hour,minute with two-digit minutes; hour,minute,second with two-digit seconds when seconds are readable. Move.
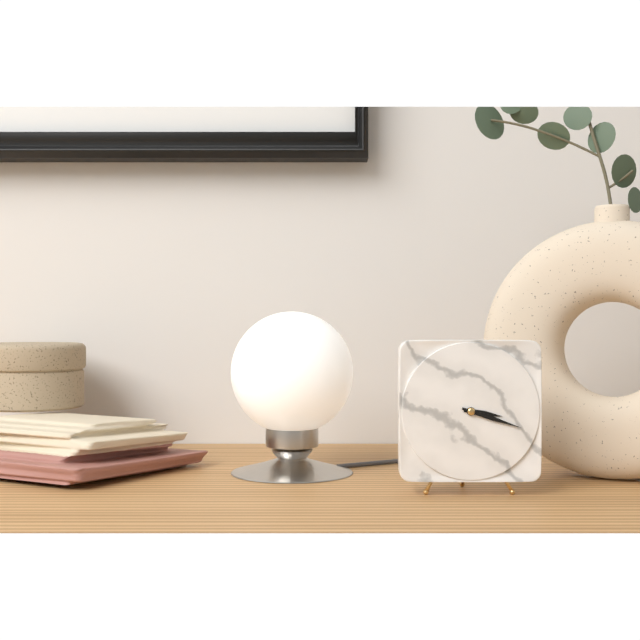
3,18
